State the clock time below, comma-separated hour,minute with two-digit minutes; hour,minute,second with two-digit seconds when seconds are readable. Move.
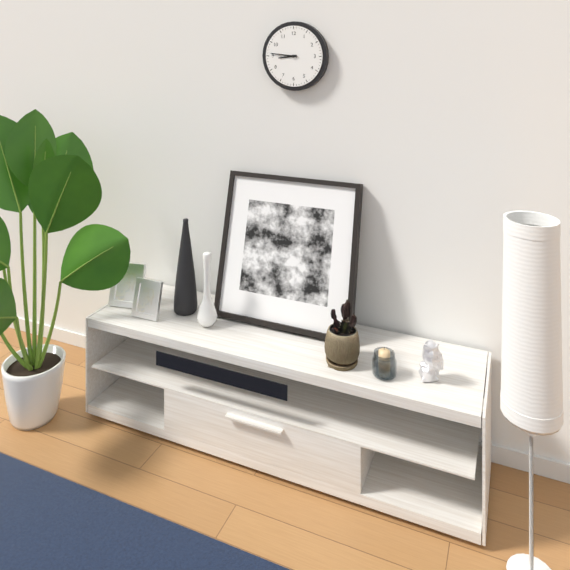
8,46
